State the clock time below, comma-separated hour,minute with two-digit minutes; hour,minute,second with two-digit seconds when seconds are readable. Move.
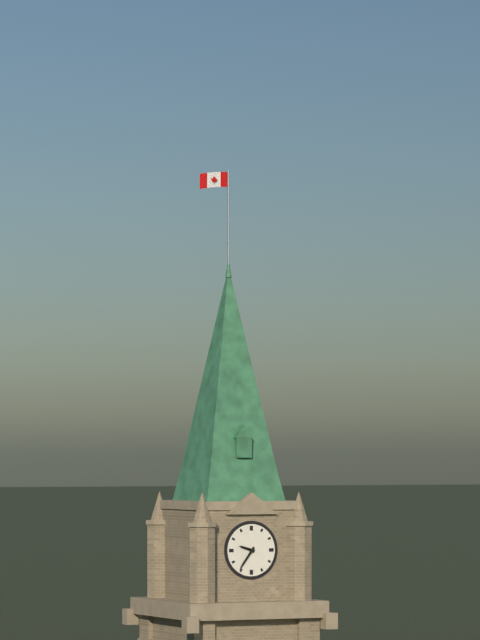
9,36
